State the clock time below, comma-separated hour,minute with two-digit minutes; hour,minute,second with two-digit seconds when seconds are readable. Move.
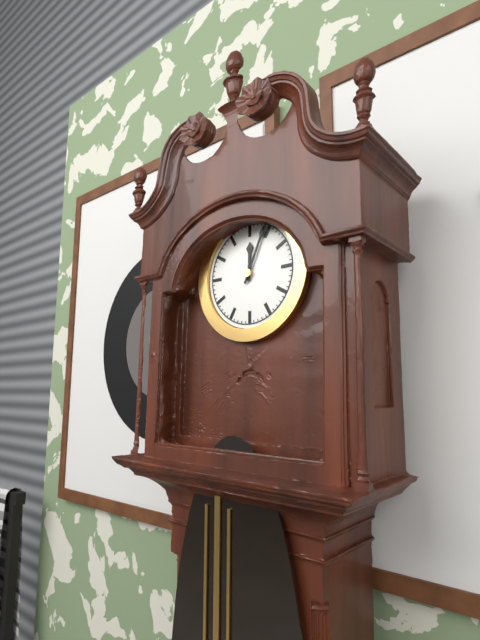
12,04
